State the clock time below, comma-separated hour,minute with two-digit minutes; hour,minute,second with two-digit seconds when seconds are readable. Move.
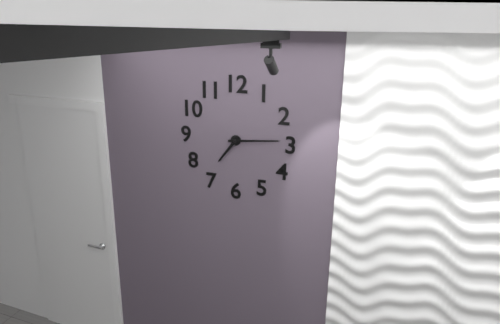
7,14
